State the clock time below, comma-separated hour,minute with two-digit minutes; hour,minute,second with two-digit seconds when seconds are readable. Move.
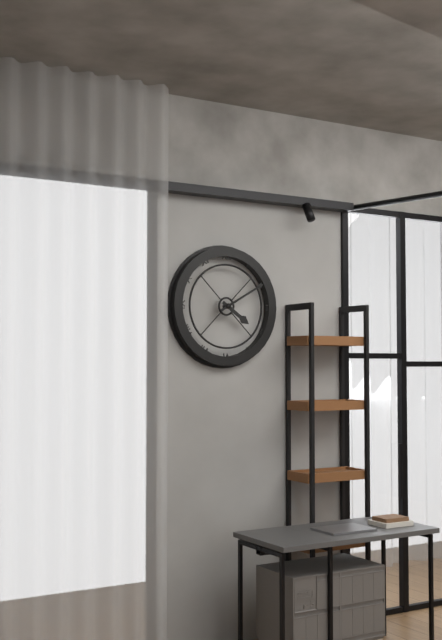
4,10
